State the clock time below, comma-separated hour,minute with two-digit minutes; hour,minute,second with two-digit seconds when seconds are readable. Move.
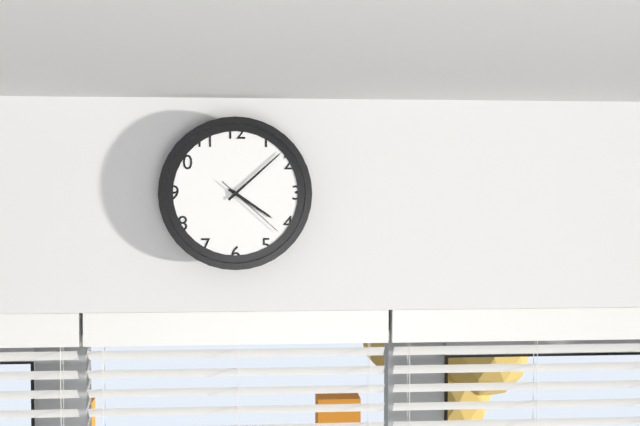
4,08,22
